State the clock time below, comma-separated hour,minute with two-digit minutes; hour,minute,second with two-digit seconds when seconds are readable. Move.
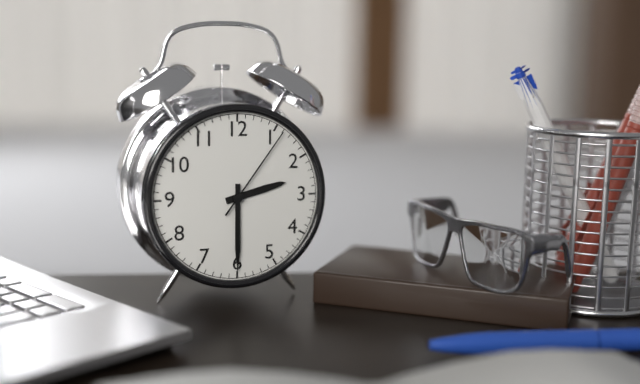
2,30,06
